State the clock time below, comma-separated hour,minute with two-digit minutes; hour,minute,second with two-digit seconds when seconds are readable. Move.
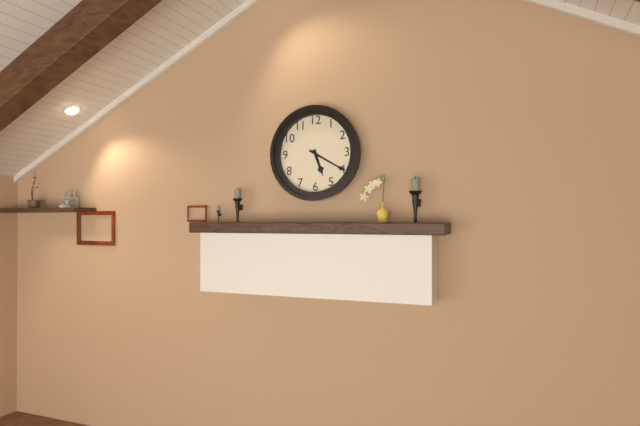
5,20
